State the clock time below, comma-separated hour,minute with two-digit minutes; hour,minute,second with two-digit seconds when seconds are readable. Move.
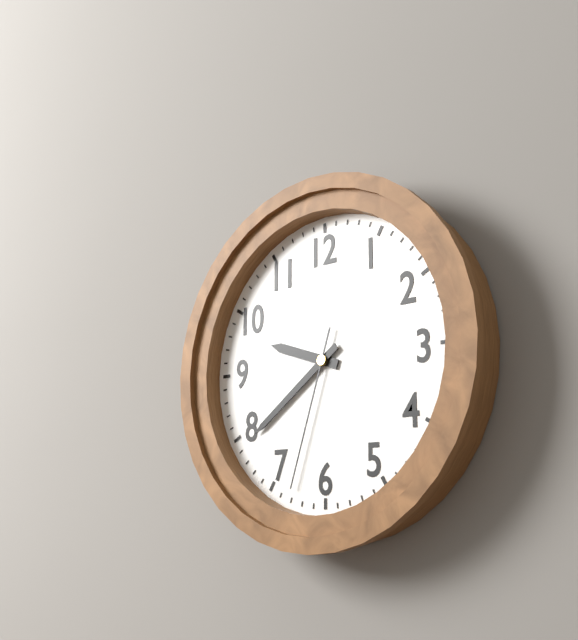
9,39,33
